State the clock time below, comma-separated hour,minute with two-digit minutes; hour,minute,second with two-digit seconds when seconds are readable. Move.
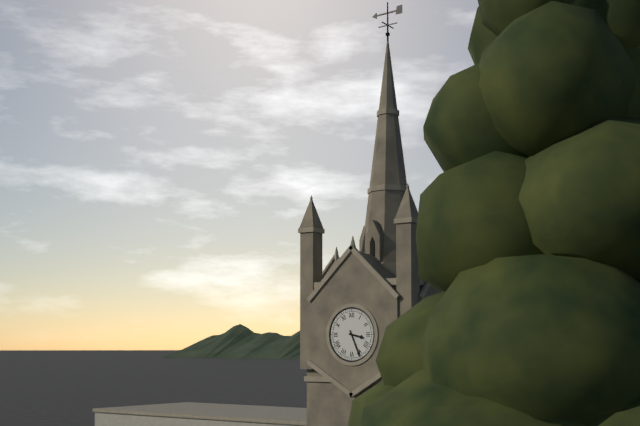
3,26
